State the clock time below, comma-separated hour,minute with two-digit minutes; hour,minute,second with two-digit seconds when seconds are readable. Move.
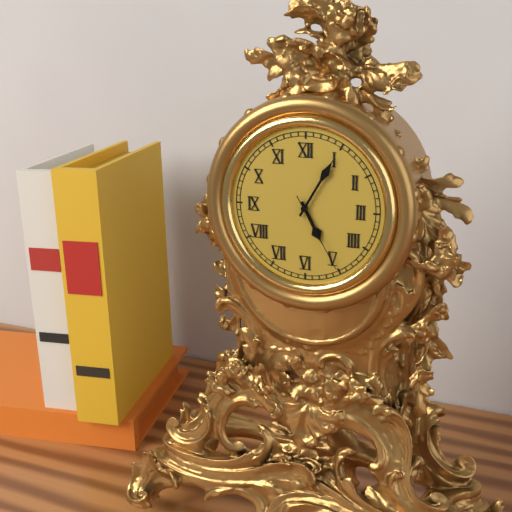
5,05,25
